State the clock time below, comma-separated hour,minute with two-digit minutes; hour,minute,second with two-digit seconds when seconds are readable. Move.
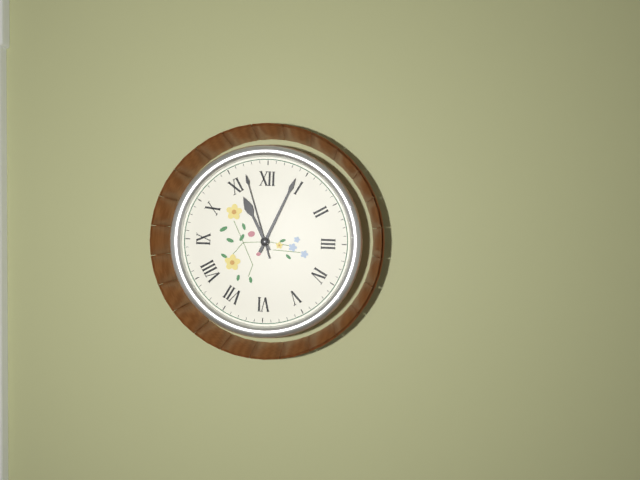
11,04,57
